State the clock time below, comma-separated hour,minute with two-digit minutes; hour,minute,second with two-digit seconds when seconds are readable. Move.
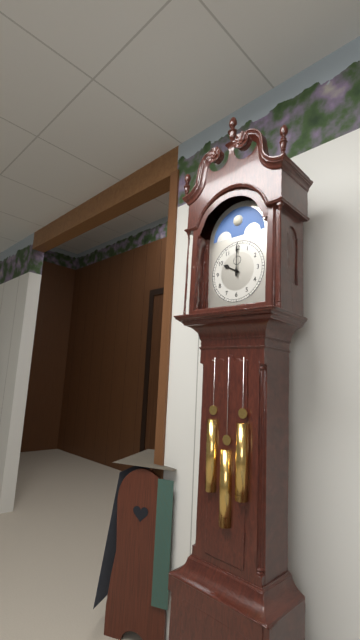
10,00
